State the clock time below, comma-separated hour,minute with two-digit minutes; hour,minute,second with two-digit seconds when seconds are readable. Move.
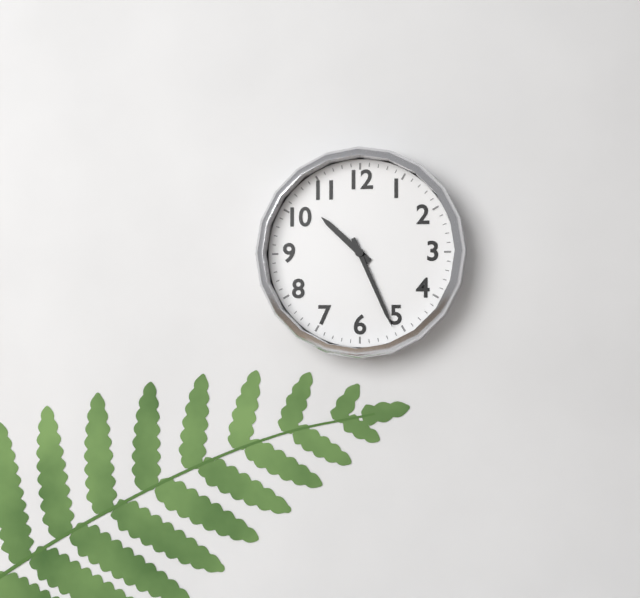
10,26
